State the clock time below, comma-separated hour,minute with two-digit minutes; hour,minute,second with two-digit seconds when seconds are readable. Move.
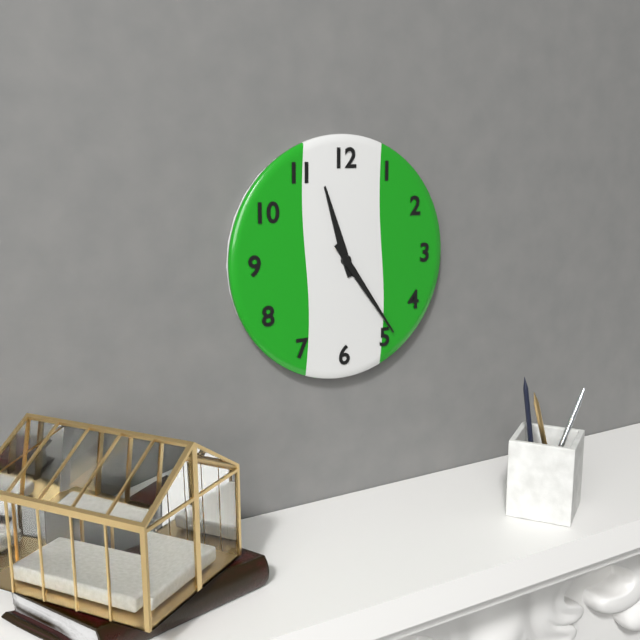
11,24
